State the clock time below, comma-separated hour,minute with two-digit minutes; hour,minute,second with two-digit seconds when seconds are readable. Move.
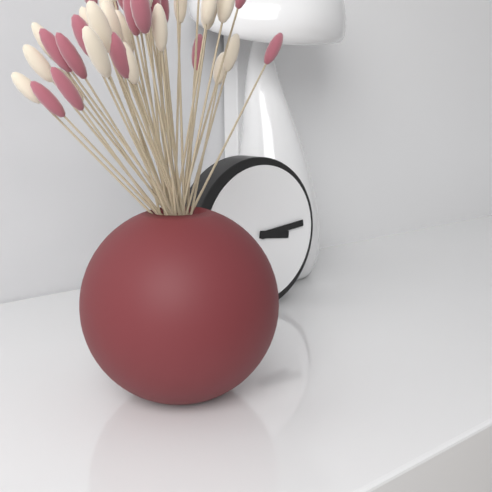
3,14
